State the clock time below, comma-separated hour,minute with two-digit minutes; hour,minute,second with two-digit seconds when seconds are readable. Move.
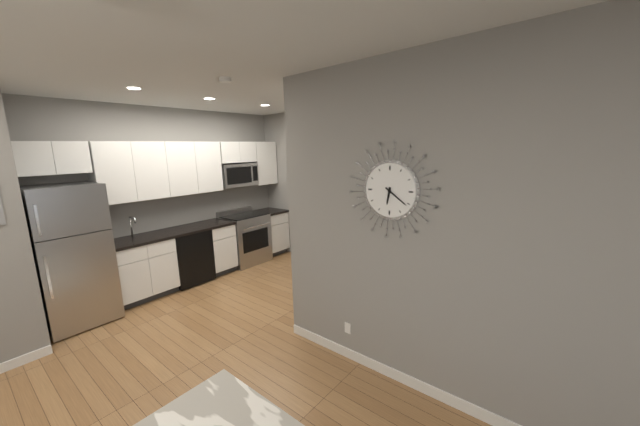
6,21
